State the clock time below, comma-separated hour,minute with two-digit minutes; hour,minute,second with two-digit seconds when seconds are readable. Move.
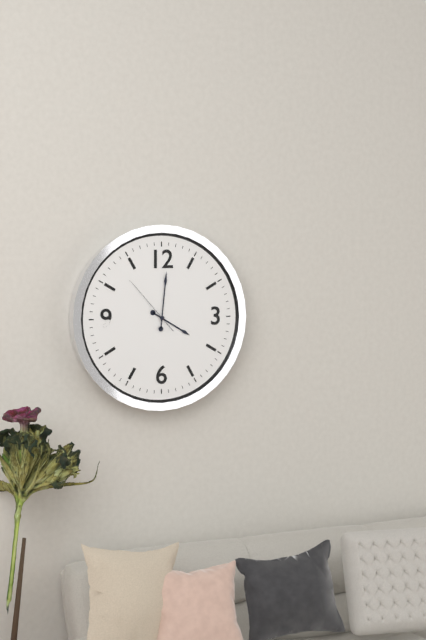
4,01,53
